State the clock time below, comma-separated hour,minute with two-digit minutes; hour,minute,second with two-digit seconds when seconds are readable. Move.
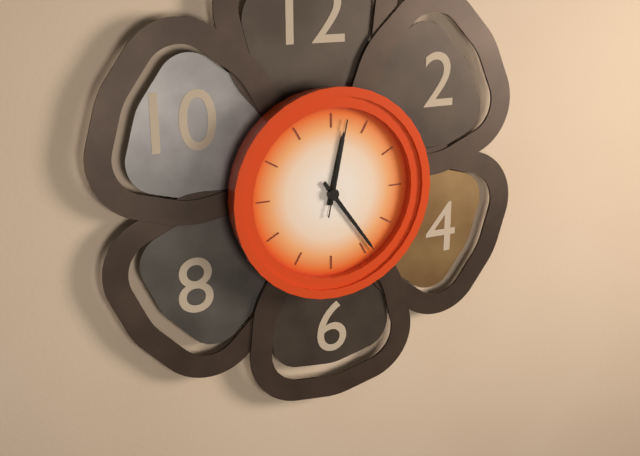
12,24,02
